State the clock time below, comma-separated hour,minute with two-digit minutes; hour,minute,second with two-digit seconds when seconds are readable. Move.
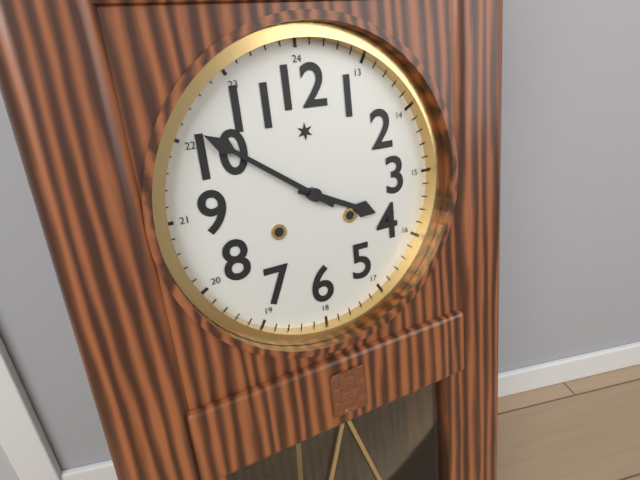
3,51
